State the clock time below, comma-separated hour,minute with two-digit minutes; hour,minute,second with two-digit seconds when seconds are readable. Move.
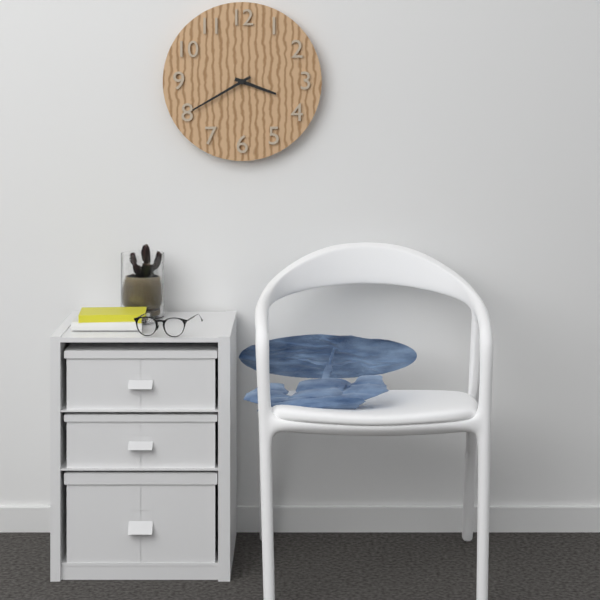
3,40
